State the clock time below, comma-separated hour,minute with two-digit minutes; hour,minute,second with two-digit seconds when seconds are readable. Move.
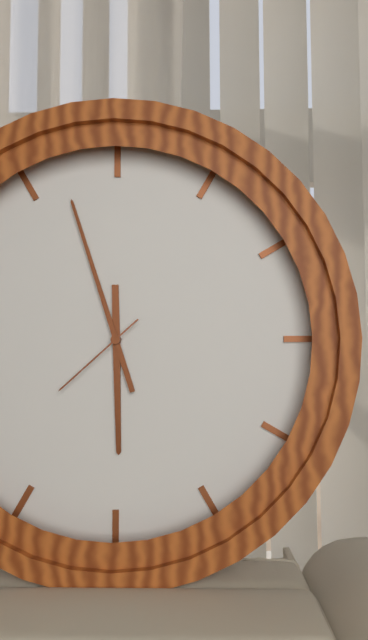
5,57,38
